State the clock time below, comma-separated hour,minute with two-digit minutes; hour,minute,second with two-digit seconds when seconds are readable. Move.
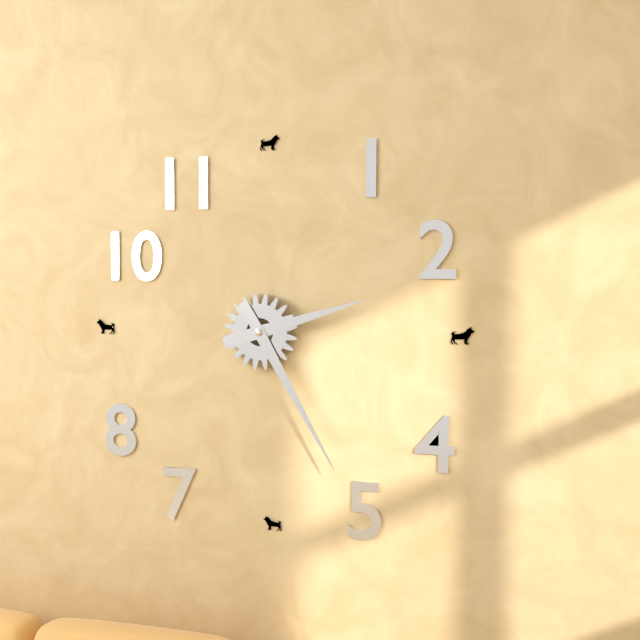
2,25
